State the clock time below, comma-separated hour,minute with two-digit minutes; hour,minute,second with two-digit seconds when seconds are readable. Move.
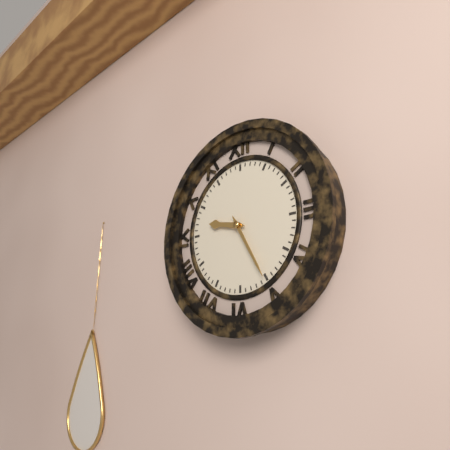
9,25
